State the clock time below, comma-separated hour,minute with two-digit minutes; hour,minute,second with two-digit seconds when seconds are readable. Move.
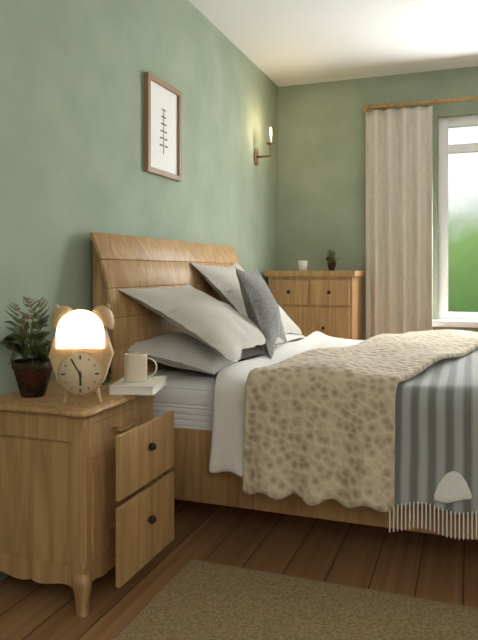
5,55
